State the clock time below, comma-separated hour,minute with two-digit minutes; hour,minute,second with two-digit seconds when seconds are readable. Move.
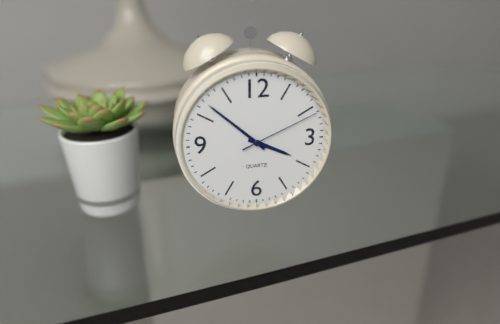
3,52,11
